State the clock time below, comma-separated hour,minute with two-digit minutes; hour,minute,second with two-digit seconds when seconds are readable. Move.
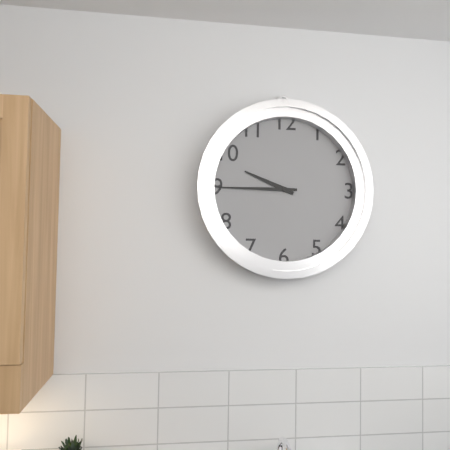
9,45
